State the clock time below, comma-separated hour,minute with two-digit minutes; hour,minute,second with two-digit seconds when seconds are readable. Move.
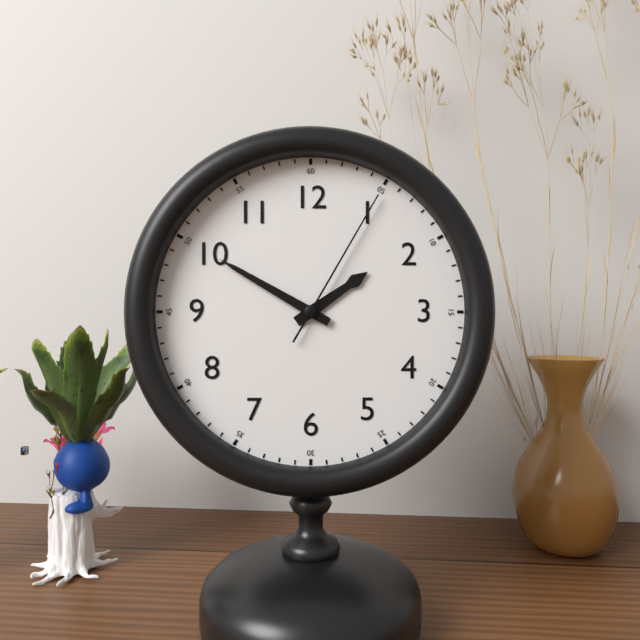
1,50,05
